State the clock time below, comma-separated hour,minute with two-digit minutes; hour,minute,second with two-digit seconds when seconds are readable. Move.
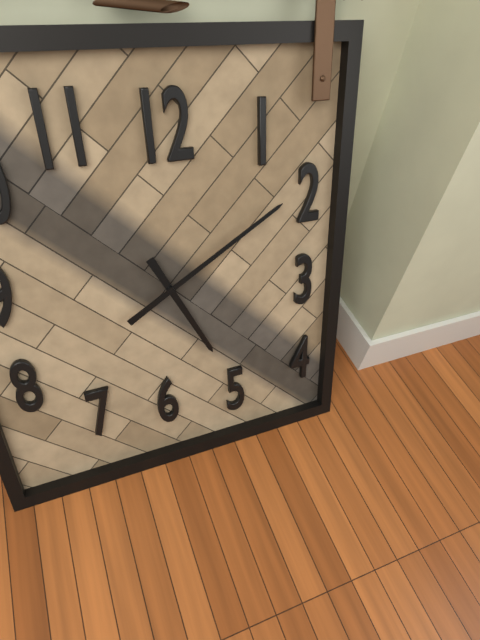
5,10
